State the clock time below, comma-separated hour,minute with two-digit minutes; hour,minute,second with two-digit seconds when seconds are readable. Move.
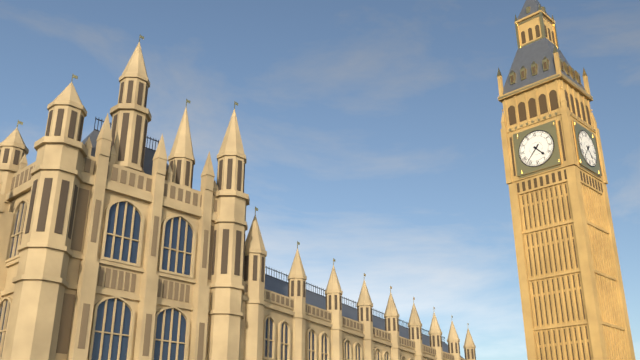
4,37
